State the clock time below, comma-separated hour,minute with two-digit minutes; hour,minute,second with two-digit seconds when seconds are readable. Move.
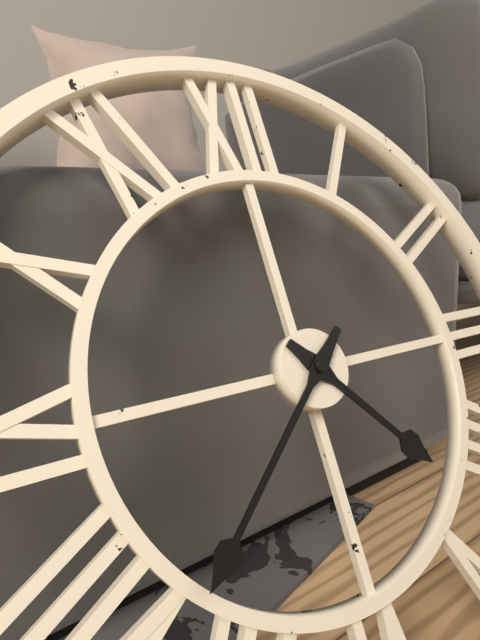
4,38
